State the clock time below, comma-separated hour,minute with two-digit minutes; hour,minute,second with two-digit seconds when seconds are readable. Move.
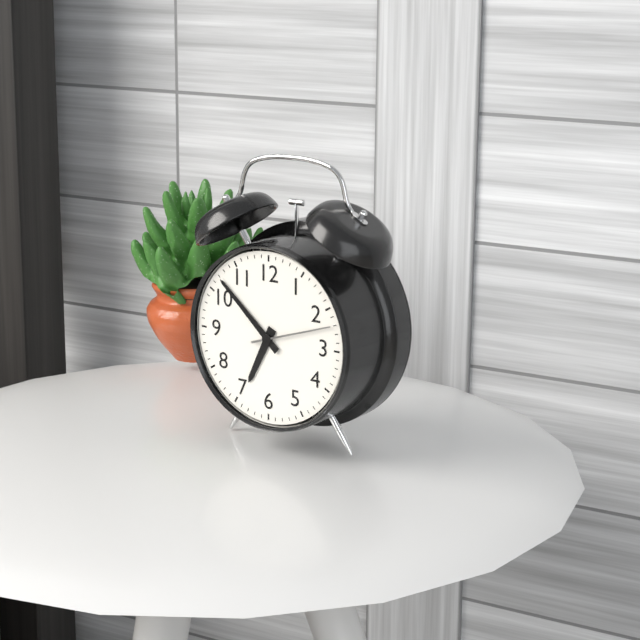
6,52,12
